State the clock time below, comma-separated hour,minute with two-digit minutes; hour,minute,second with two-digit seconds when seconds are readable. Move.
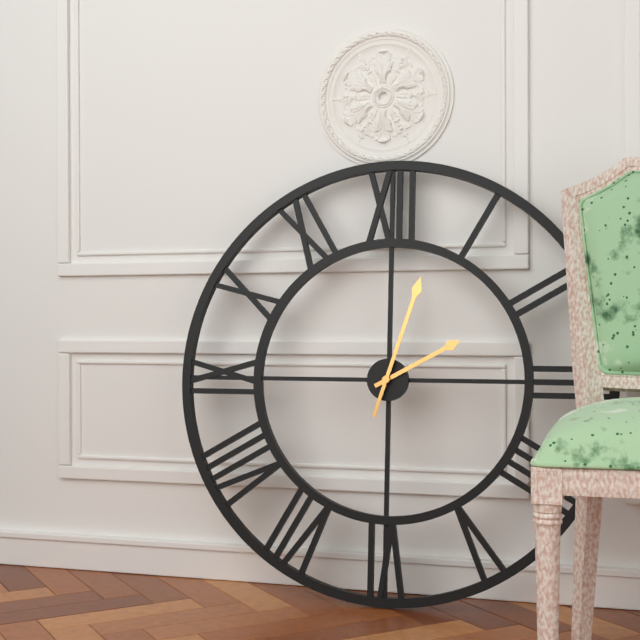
2,03
